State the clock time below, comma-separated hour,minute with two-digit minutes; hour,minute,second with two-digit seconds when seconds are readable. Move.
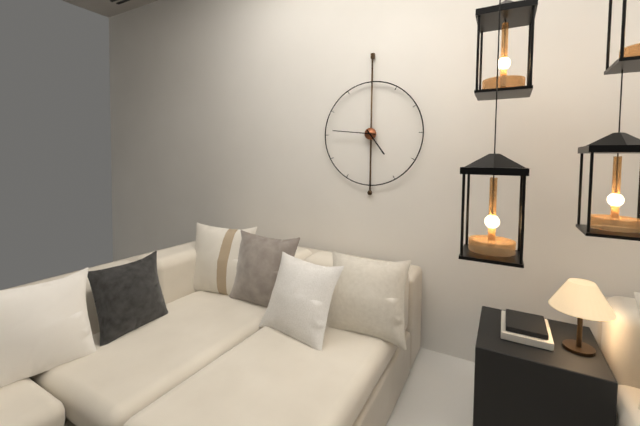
4,46
